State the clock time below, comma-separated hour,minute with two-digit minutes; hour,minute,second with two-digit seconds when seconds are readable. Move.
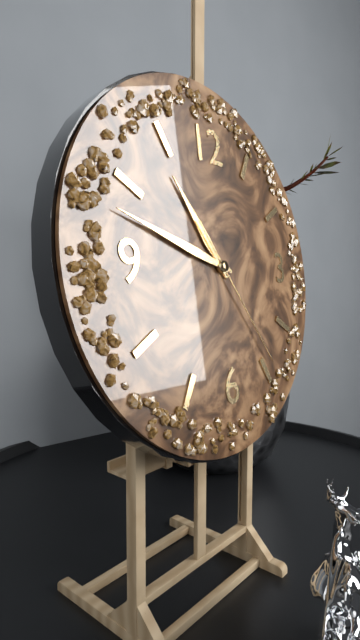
10,48,24
